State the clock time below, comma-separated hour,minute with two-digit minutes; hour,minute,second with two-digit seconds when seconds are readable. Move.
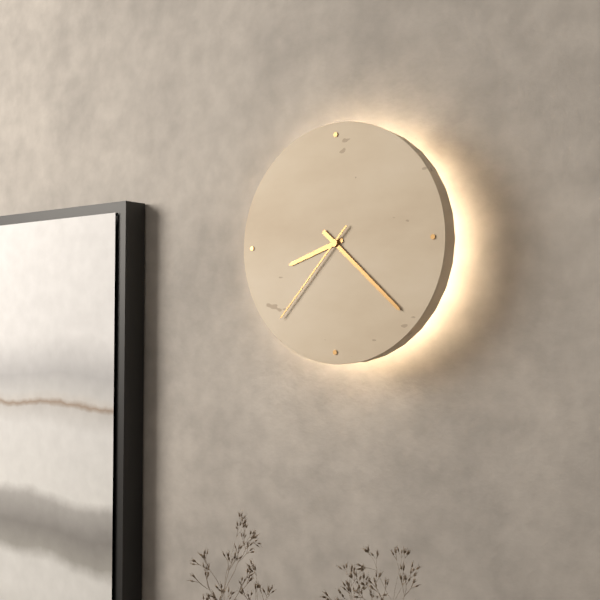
8,22,37
